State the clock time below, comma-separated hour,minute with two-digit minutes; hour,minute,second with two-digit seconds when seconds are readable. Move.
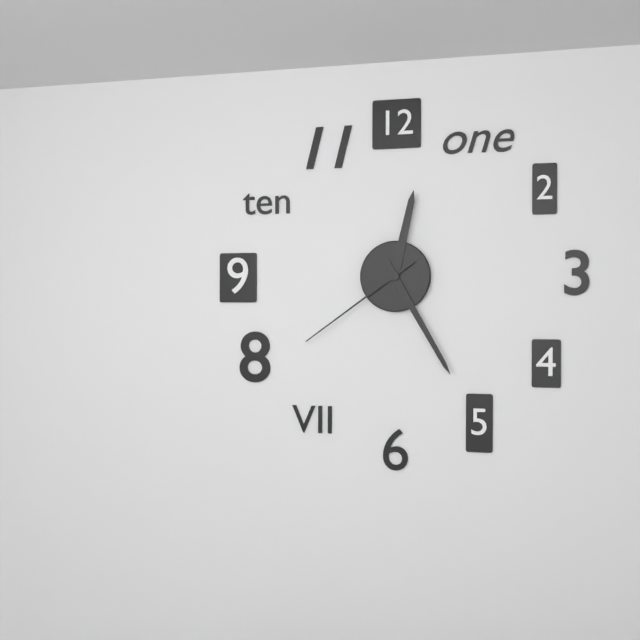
12,25,39
